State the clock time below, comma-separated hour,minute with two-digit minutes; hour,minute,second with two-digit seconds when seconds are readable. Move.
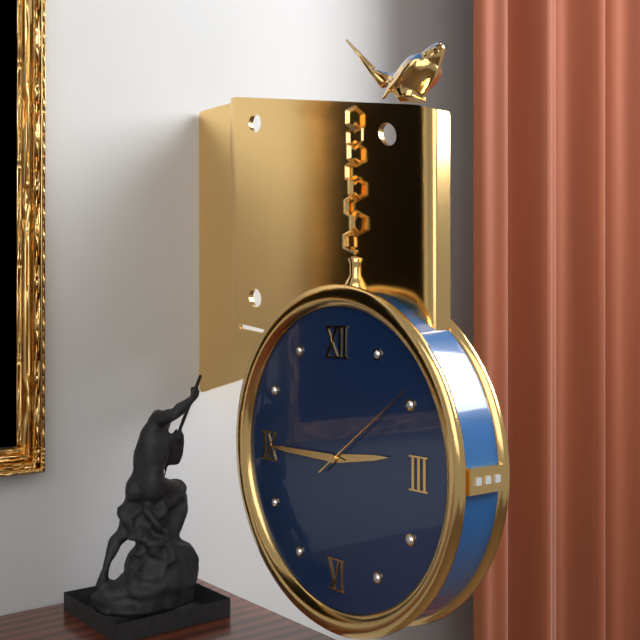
2,45,09
